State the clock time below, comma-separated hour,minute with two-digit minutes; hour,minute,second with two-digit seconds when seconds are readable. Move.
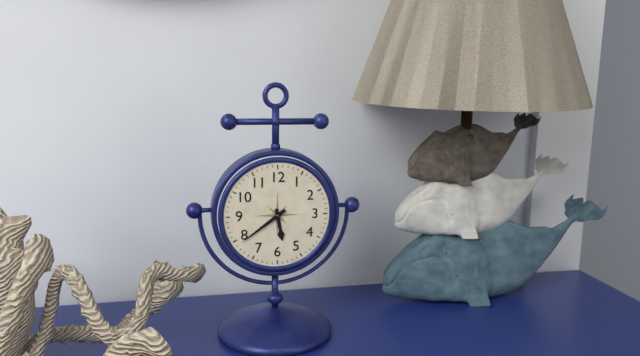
5,39
